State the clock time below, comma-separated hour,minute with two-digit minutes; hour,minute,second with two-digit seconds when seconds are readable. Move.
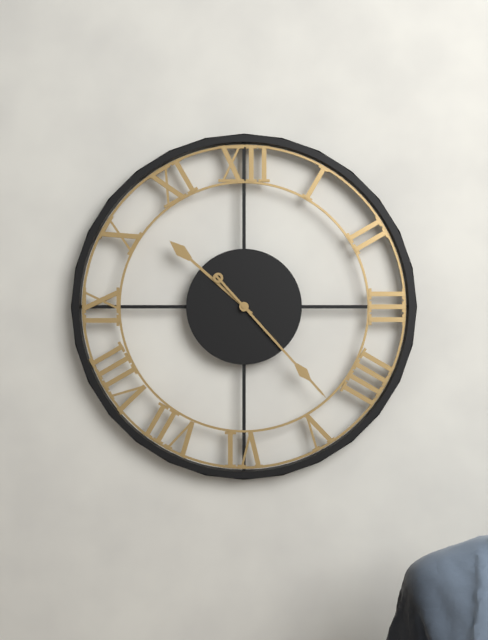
10,23
